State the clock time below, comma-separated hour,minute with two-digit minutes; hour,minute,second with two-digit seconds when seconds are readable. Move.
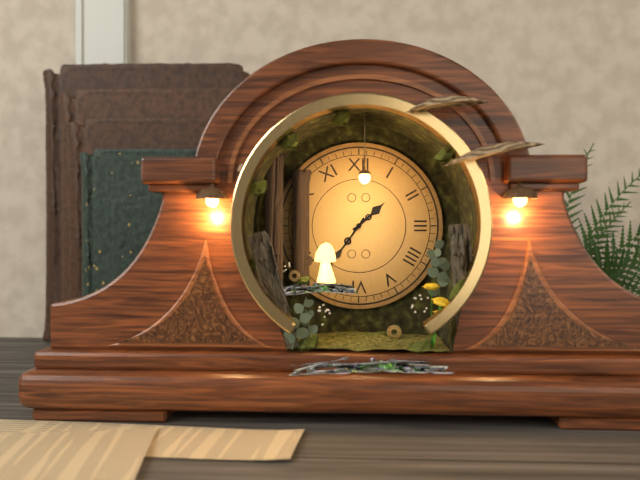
1,36
